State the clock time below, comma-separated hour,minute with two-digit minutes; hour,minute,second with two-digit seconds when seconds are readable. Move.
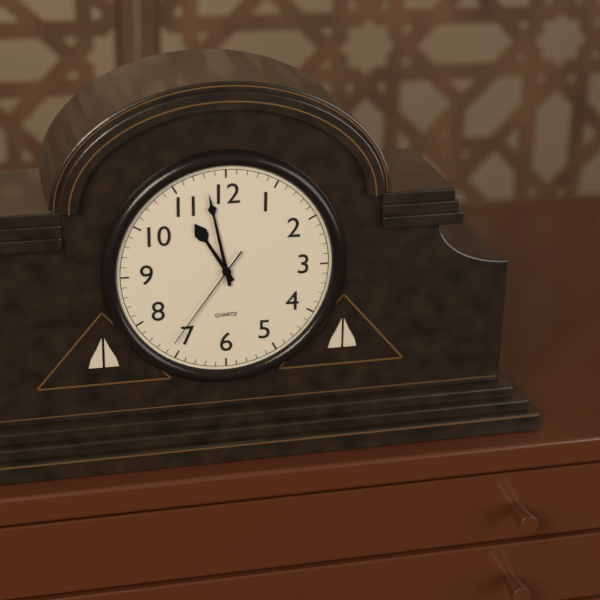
10,58,36
